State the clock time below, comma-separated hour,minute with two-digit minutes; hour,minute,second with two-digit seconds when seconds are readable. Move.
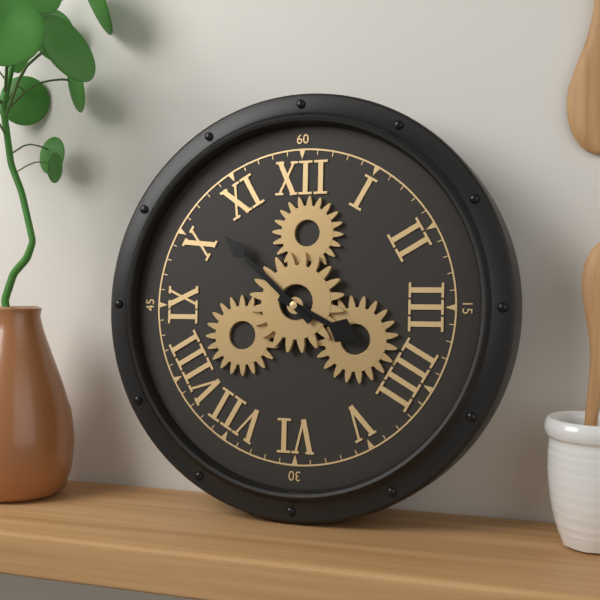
3,52
